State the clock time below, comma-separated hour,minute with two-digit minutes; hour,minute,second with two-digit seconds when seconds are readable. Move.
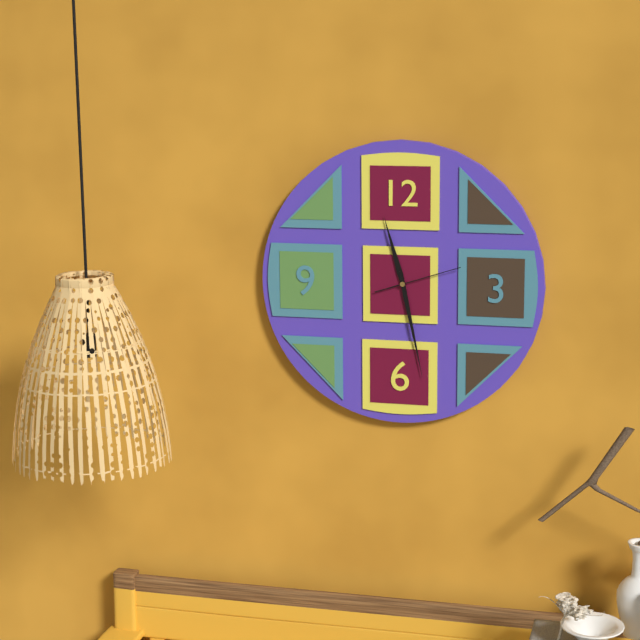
11,28,12
